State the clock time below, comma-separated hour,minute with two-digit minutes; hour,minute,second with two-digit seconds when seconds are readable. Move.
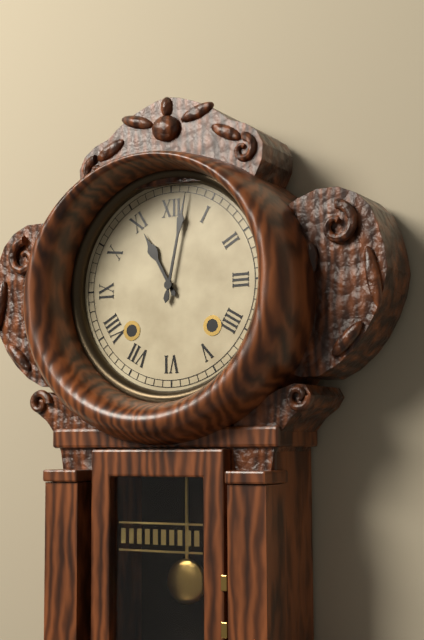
11,02
